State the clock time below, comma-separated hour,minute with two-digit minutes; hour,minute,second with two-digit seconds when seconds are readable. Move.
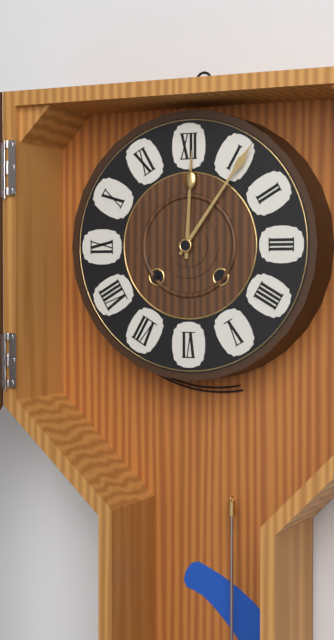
12,06
